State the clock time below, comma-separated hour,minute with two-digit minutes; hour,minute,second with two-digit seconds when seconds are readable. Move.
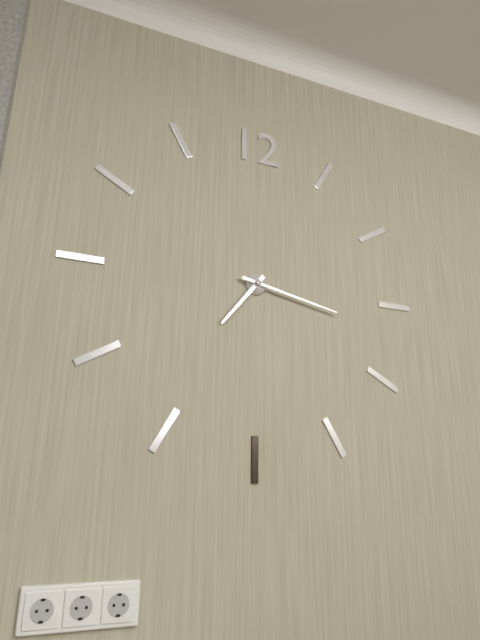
7,17
